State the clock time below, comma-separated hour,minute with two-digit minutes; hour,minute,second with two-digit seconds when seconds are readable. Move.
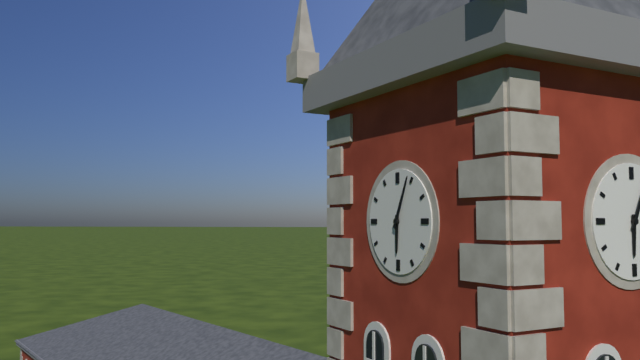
6,04
